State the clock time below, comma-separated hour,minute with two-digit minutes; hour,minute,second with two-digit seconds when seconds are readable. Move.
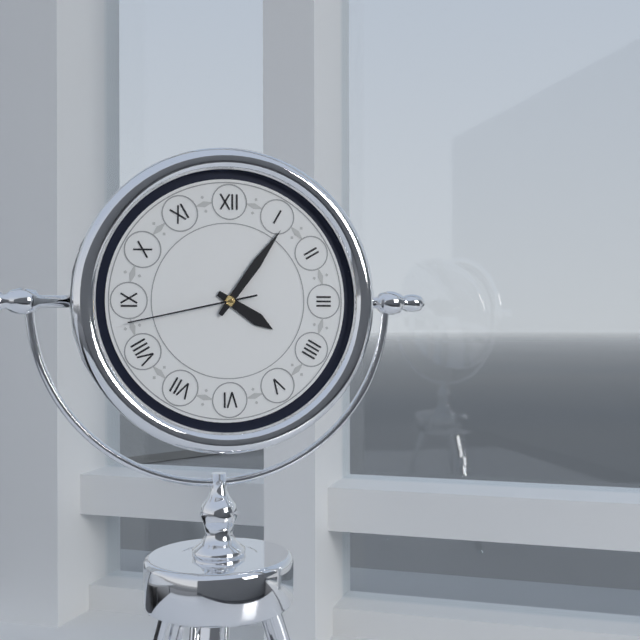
4,06,43
